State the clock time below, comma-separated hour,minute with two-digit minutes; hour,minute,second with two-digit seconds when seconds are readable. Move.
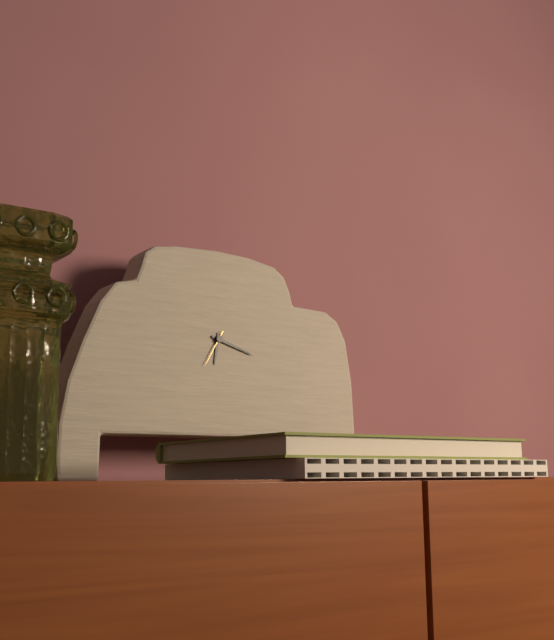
6,18
